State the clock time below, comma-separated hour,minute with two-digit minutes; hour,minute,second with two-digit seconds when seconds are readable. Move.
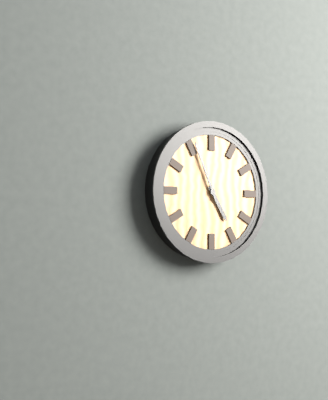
4,56
